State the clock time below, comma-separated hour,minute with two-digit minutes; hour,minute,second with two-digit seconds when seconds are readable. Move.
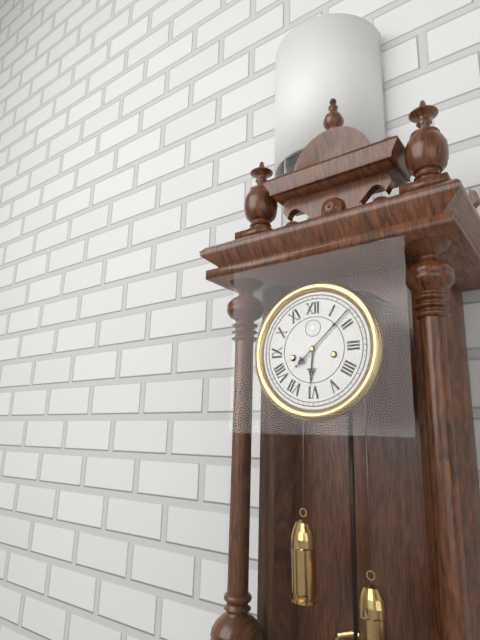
6,08
